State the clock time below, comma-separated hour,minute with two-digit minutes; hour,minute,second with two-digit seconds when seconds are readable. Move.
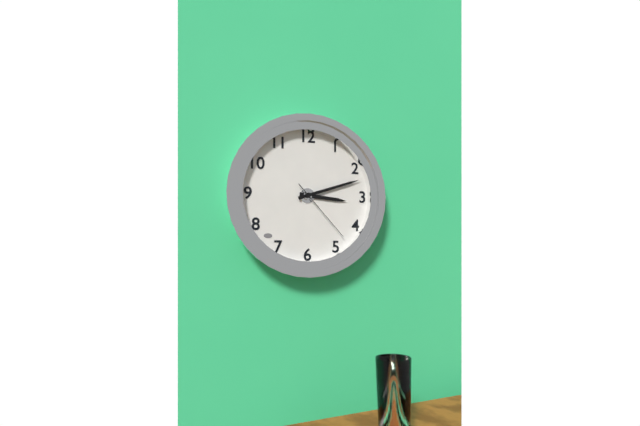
3,12,23
